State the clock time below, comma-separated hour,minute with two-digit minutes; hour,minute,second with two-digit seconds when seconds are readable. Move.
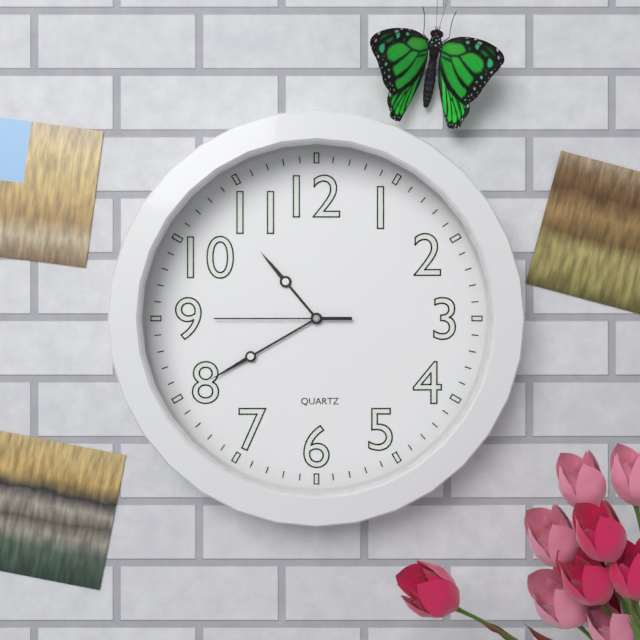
10,40,45
